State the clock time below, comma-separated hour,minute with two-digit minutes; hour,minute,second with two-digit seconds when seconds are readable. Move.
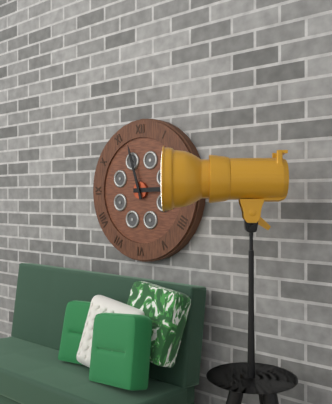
2,57
